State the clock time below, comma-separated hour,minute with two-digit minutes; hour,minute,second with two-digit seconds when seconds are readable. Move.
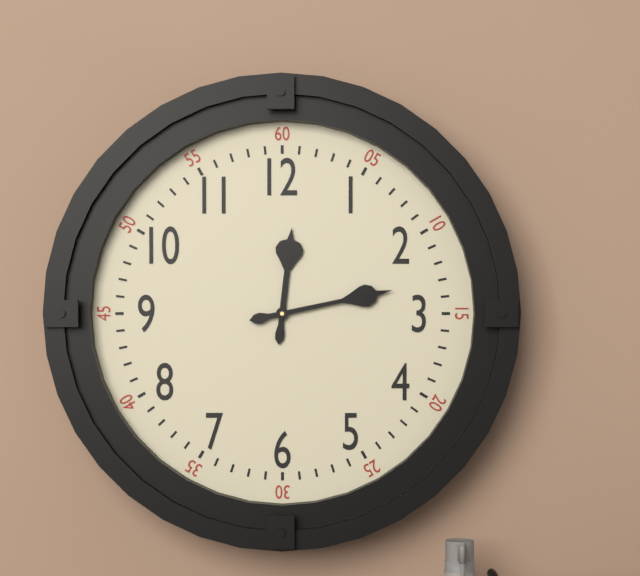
12,13
